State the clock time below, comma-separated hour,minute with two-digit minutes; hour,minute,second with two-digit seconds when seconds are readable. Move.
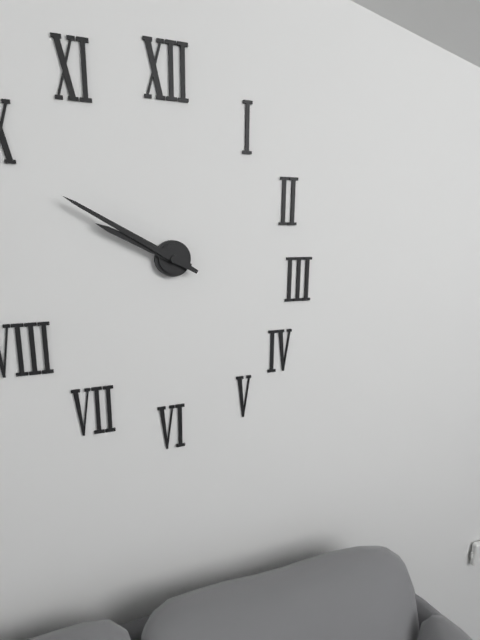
9,50
